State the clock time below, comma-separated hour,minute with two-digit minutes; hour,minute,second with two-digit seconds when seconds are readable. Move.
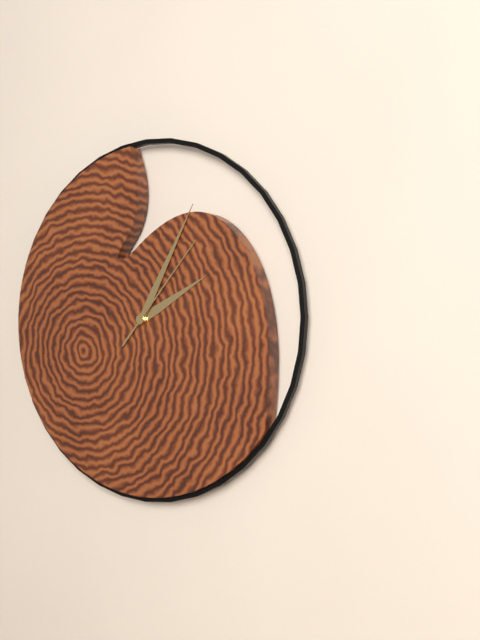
2,05,07
